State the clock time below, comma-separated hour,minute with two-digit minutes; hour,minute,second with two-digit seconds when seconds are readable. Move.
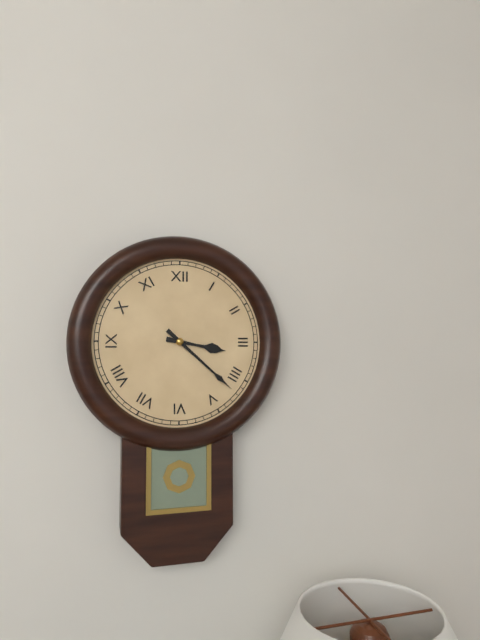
3,22
